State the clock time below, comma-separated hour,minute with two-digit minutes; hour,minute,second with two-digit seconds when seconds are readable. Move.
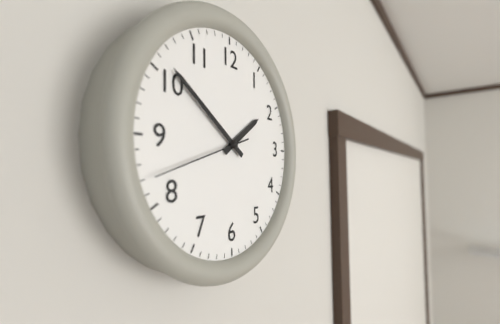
1,51,42
